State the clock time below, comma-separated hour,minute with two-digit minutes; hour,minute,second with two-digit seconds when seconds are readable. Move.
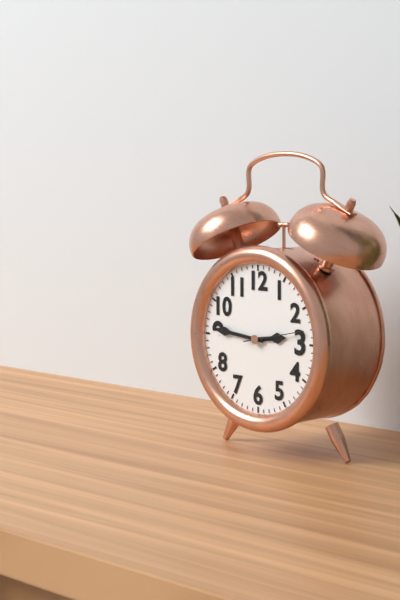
2,46,13
